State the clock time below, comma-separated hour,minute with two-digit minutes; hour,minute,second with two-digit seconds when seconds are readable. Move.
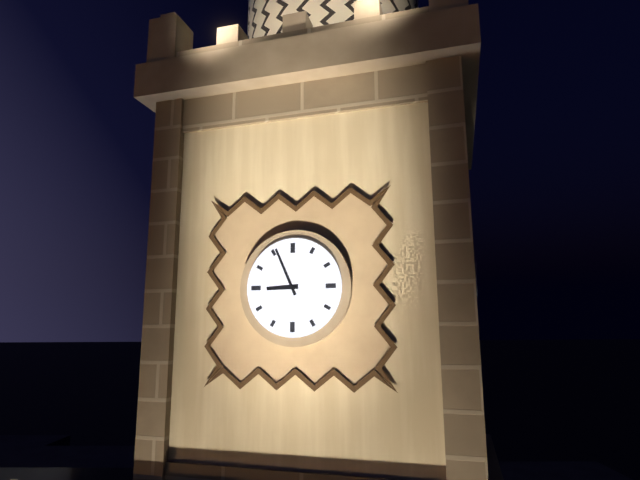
8,56
